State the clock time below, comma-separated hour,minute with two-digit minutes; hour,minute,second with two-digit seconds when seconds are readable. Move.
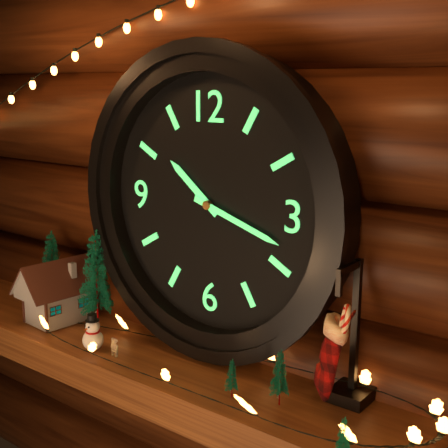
10,18
